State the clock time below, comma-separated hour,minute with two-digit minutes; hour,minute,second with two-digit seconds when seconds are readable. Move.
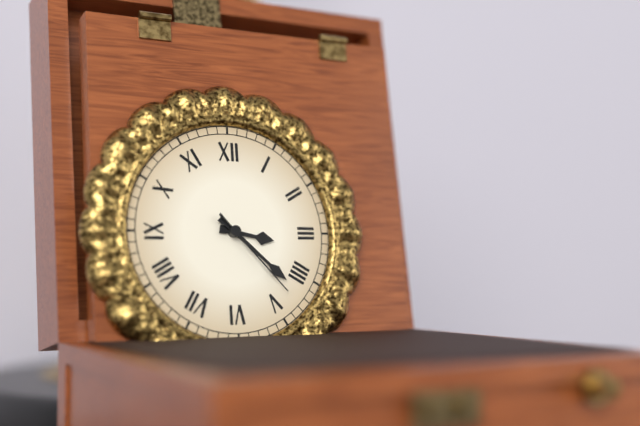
3,22,23
